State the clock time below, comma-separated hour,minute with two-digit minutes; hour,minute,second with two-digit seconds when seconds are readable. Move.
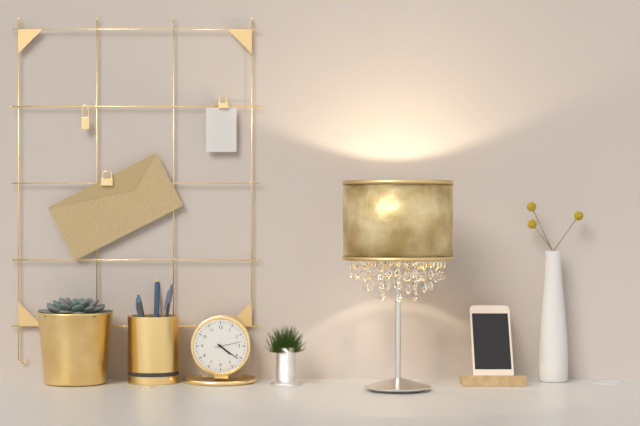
4,21
